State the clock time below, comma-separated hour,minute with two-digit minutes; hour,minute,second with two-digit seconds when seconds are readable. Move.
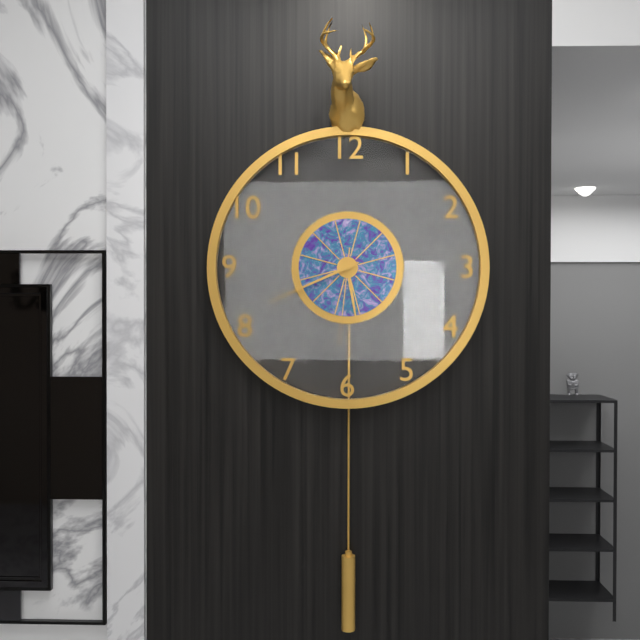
5,41,31
